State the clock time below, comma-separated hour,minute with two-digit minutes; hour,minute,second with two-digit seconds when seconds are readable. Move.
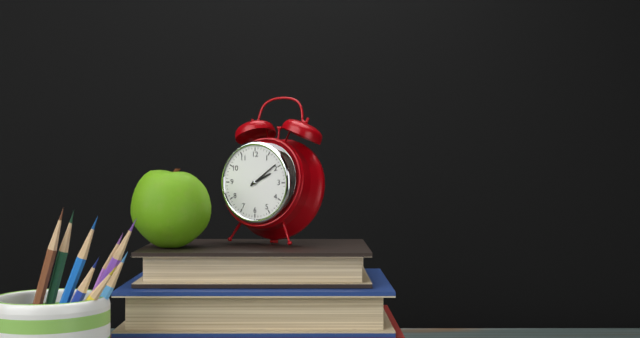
2,09
